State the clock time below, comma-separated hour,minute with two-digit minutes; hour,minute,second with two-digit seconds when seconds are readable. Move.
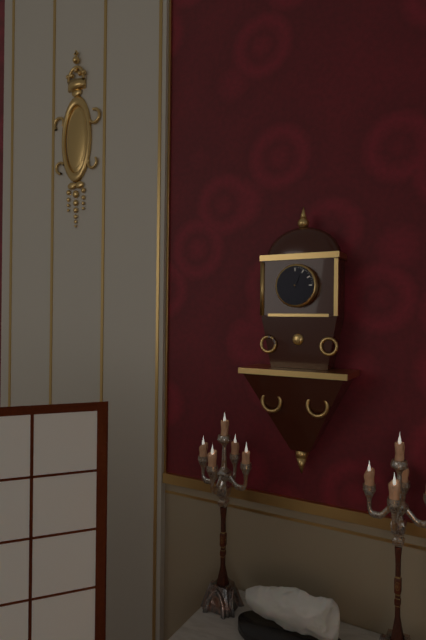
12,46
